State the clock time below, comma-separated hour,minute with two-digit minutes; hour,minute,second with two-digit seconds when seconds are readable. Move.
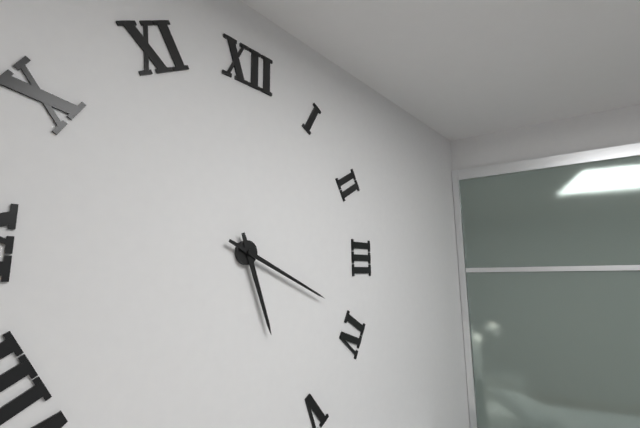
5,19
